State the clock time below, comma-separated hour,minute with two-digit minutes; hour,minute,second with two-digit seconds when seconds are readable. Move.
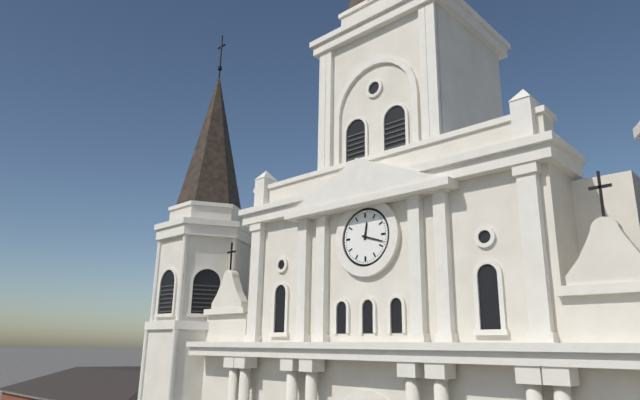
12,18
